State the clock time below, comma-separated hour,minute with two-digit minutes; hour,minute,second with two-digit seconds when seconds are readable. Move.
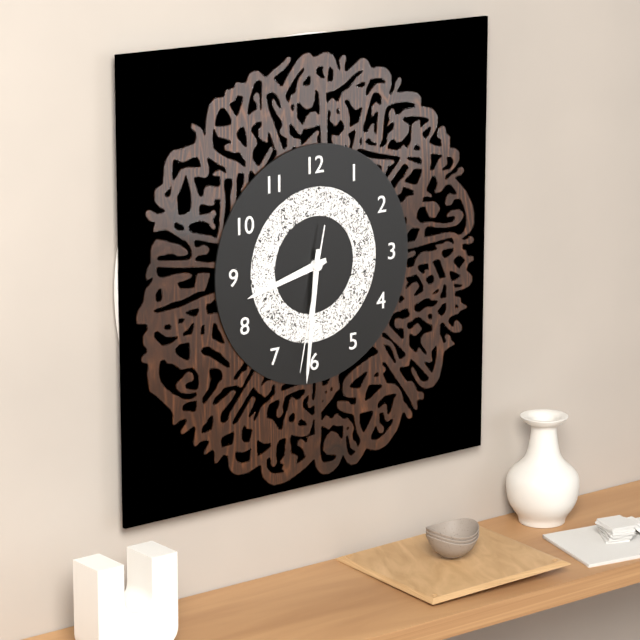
8,31,32
